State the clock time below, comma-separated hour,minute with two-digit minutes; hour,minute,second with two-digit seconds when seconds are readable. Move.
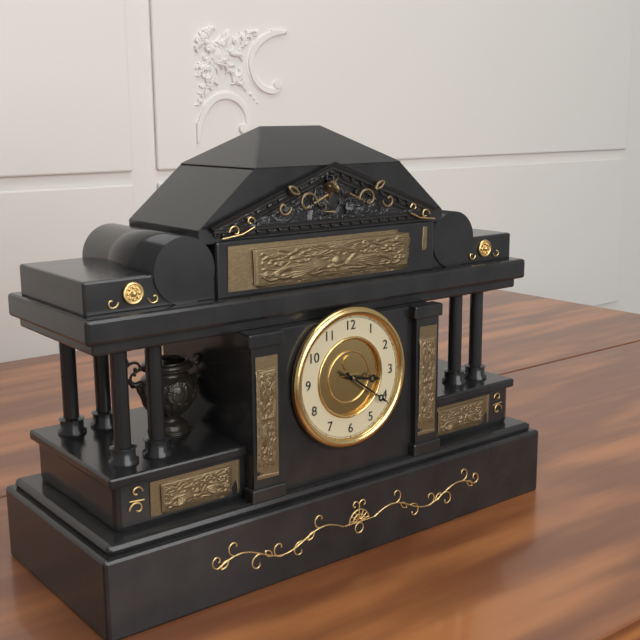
3,21
